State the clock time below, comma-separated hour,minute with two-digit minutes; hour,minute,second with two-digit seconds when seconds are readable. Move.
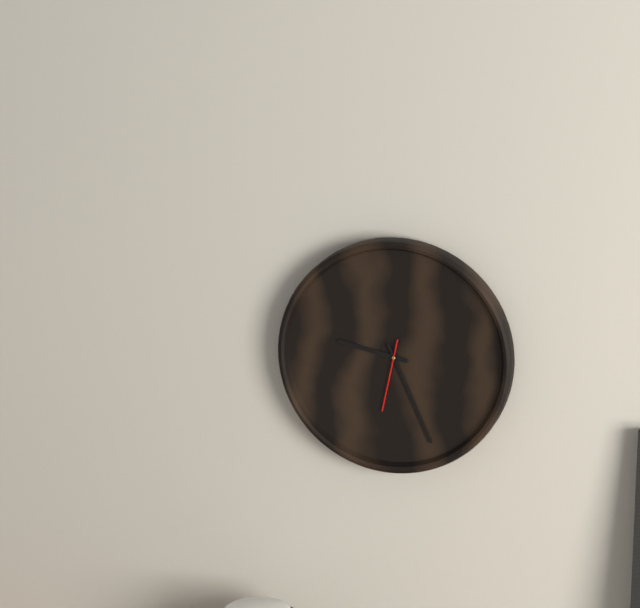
9,26,32
